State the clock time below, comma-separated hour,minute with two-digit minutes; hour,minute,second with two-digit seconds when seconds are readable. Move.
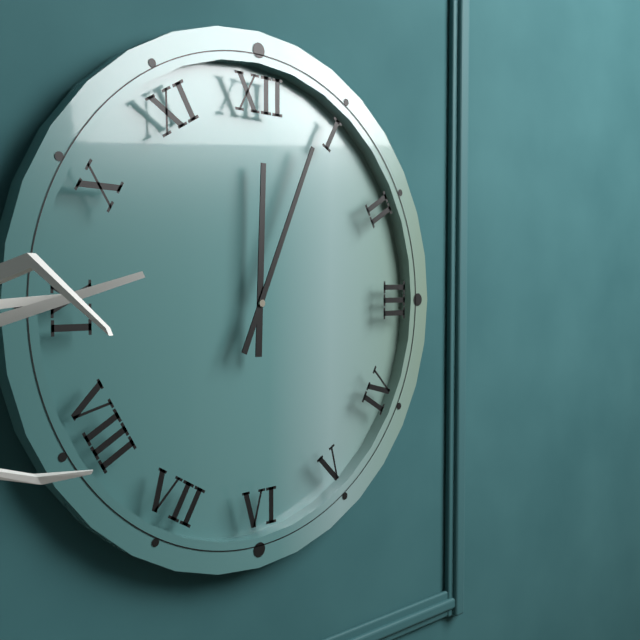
12,04
